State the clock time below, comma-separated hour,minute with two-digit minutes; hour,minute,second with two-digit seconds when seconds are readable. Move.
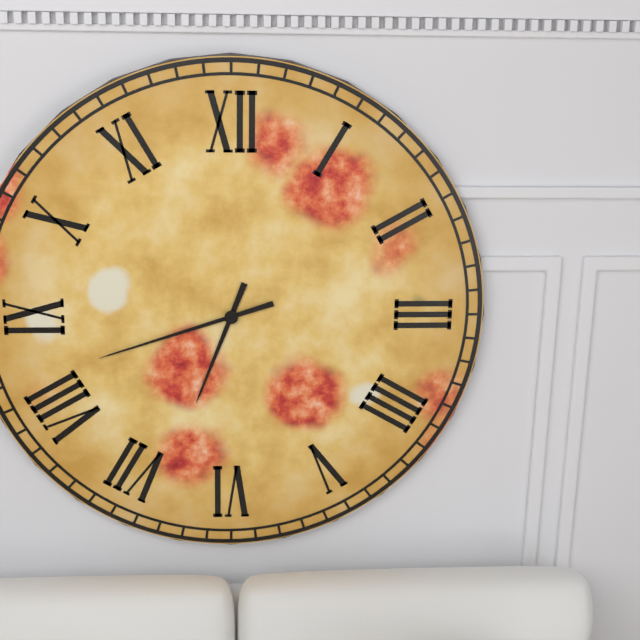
6,42
